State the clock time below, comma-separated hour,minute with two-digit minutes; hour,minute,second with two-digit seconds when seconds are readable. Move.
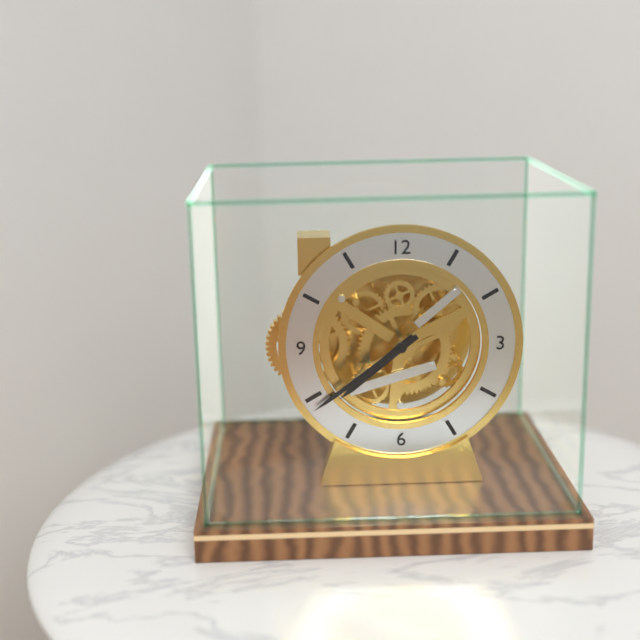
7,39
